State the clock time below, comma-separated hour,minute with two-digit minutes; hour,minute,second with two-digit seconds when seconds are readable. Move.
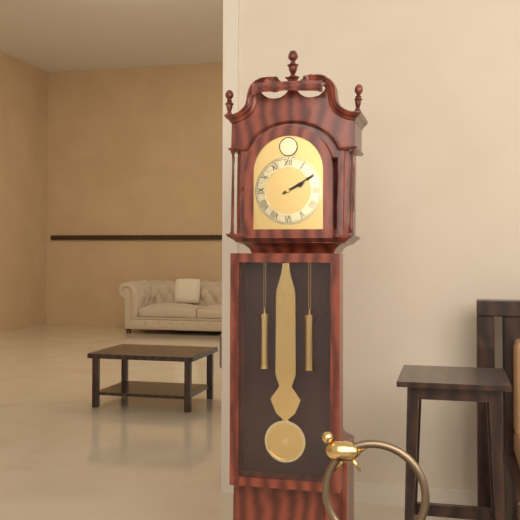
2,10
